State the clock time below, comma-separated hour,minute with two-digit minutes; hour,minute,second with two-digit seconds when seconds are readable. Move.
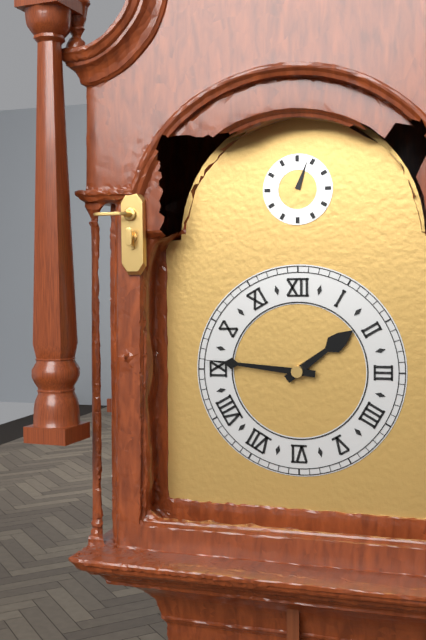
1,46
